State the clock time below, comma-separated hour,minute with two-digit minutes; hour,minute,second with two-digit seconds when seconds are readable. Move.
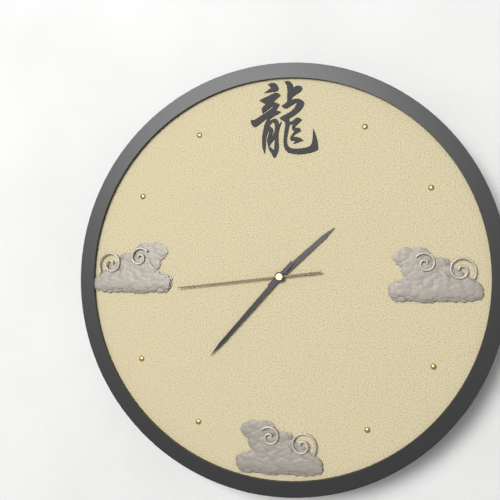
1,37,44
